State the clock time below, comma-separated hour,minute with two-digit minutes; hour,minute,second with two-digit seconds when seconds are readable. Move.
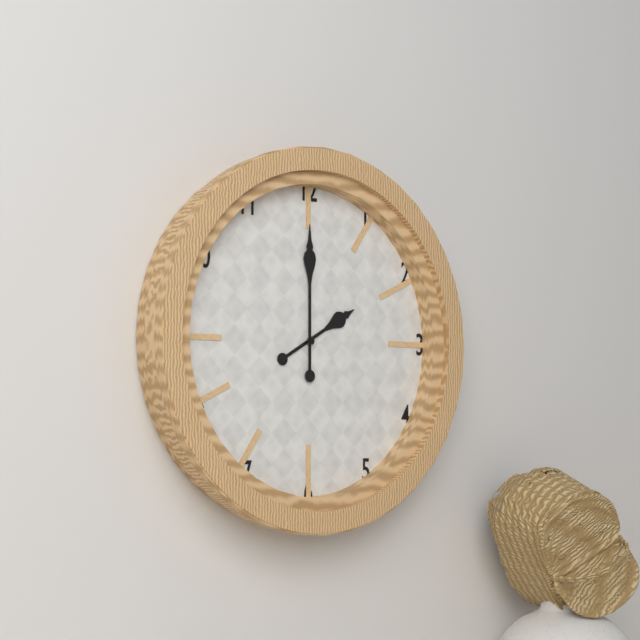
2,00
